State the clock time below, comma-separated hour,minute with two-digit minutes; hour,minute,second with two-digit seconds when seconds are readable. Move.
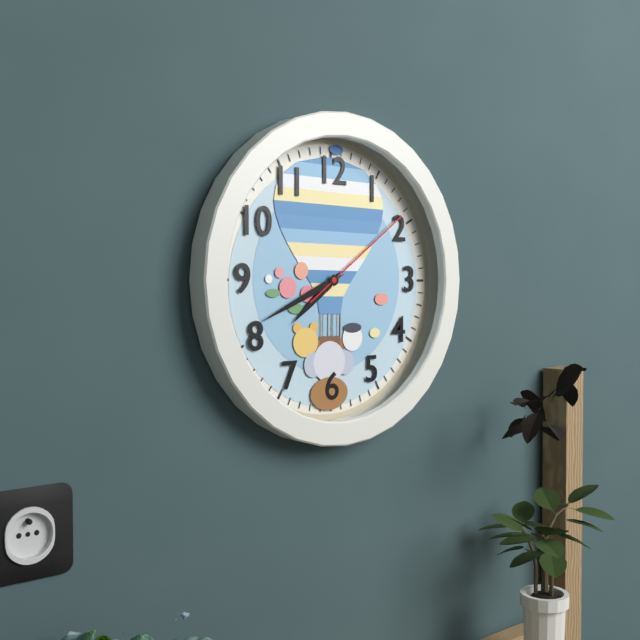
7,41,09
